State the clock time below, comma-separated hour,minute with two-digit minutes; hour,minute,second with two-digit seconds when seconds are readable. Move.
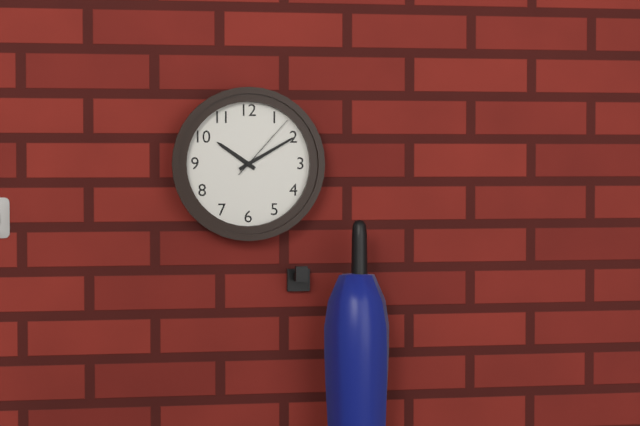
10,10,07
